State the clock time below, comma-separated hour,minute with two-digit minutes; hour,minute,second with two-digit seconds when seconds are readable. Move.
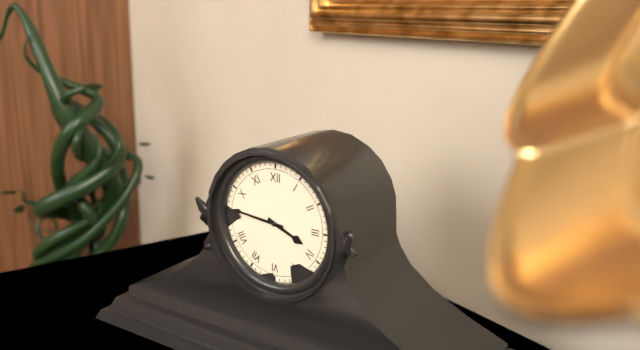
3,46
